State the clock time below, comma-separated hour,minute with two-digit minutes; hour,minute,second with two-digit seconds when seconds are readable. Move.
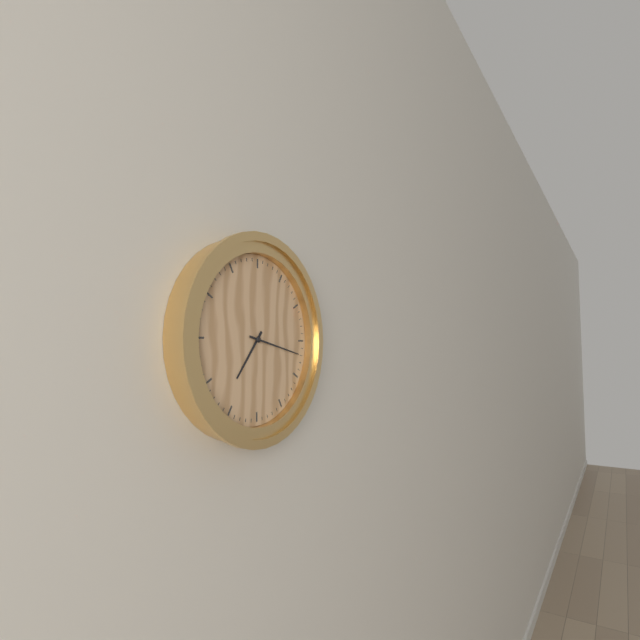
7,17
